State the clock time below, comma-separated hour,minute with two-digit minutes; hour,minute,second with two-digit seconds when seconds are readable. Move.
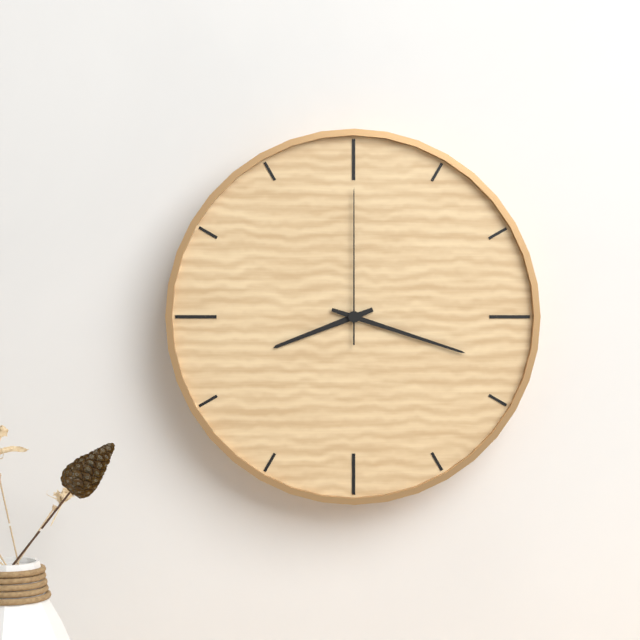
8,18,00
